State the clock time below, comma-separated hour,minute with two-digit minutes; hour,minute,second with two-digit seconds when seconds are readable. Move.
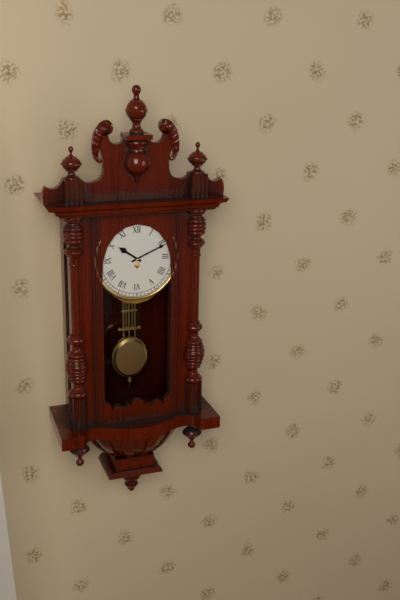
10,11
